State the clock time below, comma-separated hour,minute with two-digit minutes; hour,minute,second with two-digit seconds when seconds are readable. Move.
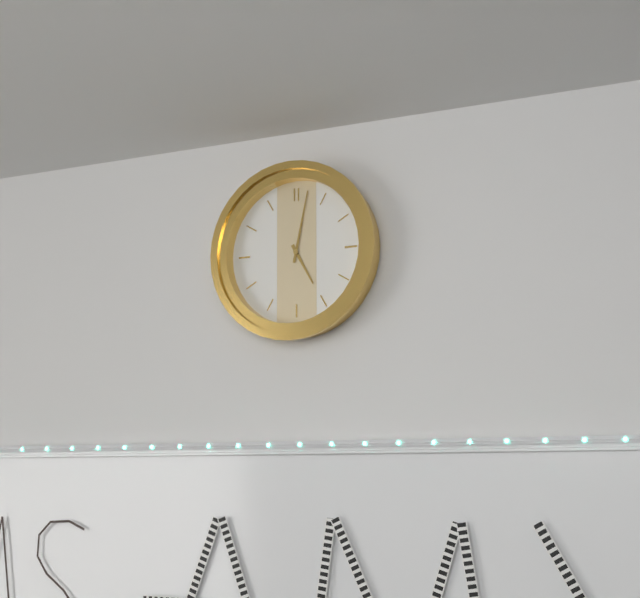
5,02
